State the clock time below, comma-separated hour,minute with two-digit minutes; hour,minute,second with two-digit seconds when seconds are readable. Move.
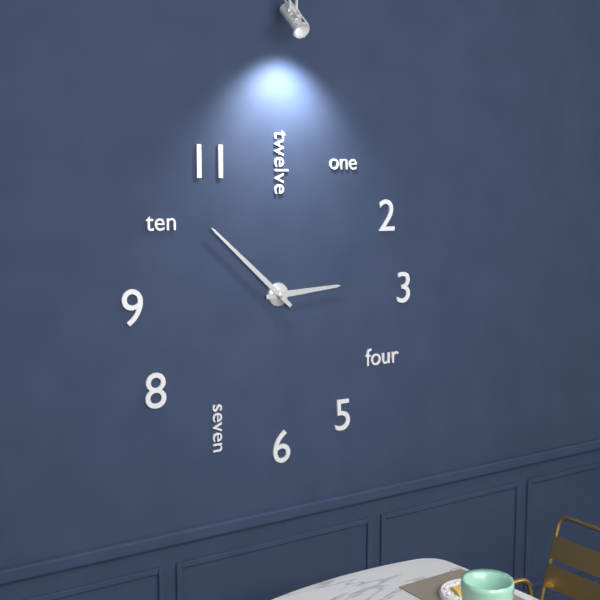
2,52
